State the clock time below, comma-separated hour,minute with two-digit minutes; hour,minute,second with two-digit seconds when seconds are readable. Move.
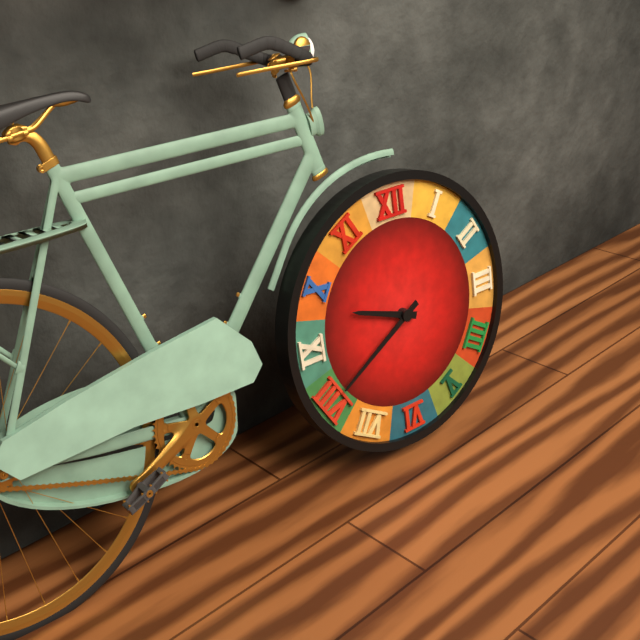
9,40
